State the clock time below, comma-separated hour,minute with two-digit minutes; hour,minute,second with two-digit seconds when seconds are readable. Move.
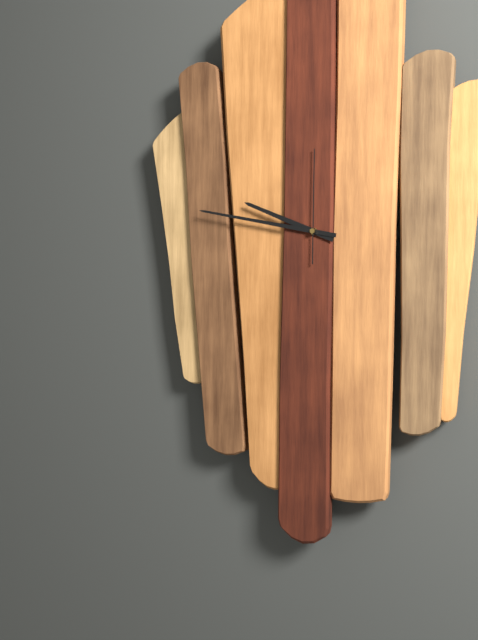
9,47,00
